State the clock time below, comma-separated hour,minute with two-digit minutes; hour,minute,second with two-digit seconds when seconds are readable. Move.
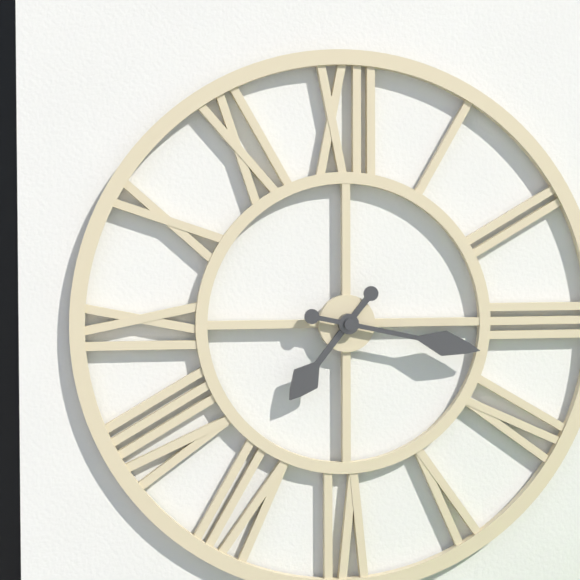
7,17
